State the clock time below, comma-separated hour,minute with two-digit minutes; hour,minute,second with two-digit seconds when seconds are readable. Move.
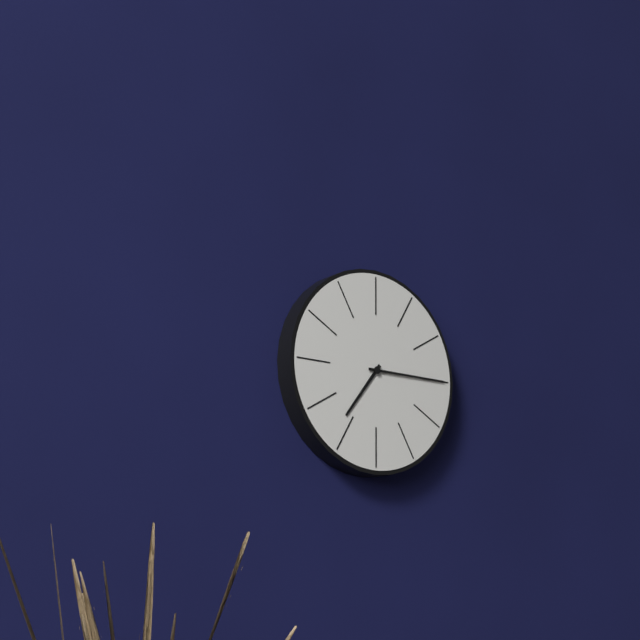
7,15
